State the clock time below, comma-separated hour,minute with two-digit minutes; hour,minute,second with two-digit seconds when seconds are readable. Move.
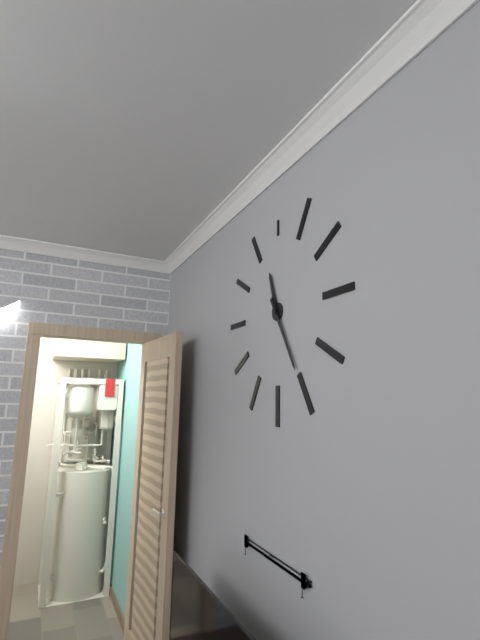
11,25
